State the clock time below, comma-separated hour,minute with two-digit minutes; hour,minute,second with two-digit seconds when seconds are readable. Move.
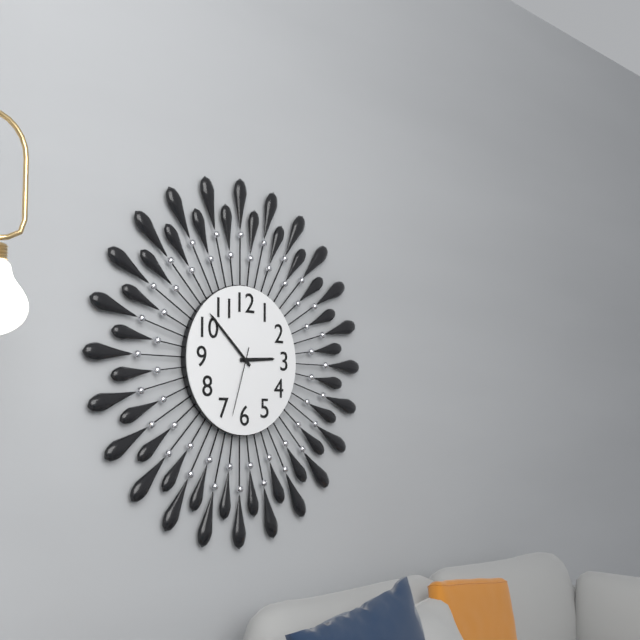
2,52,33
